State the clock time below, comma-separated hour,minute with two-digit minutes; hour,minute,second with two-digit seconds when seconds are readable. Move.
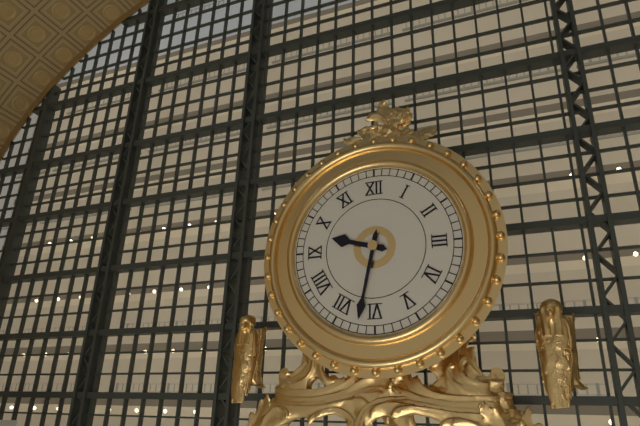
9,32
